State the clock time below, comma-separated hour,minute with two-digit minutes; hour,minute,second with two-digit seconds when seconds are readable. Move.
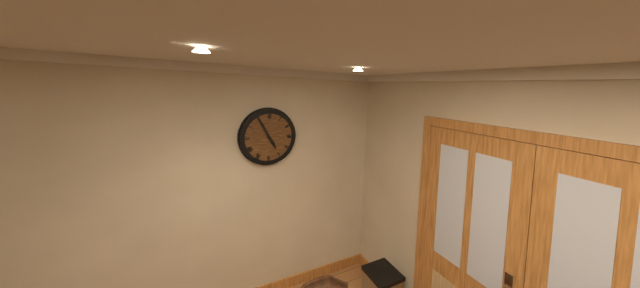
4,55
